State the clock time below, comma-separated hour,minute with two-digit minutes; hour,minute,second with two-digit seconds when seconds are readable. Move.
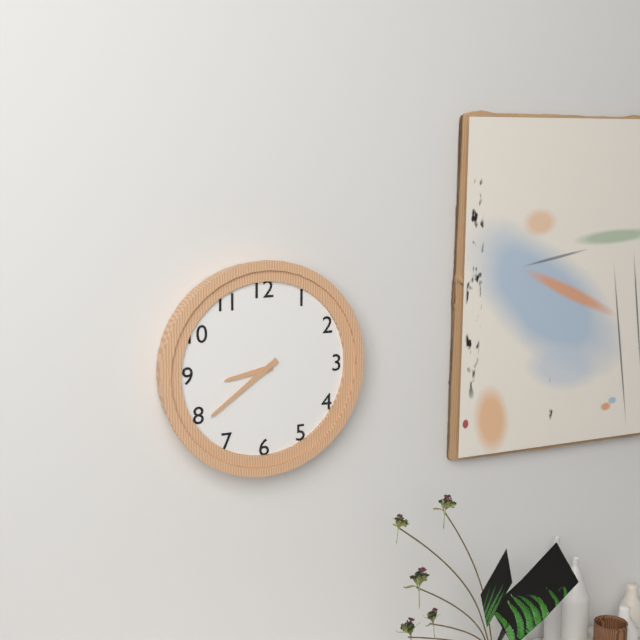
8,39
